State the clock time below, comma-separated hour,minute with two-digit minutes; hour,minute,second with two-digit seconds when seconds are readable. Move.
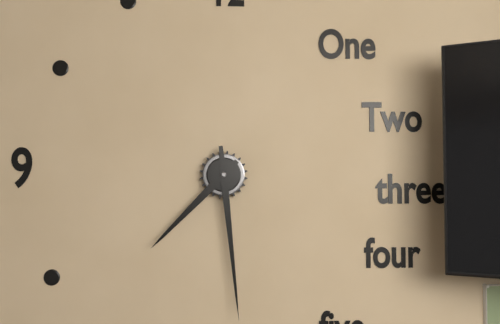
7,29
